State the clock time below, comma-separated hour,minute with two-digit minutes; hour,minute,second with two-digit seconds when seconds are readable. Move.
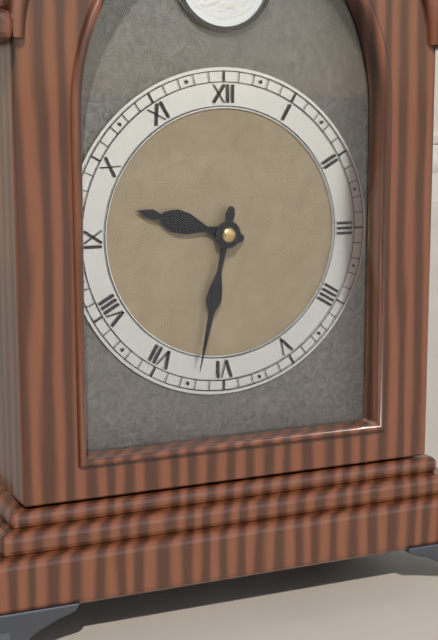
9,32
